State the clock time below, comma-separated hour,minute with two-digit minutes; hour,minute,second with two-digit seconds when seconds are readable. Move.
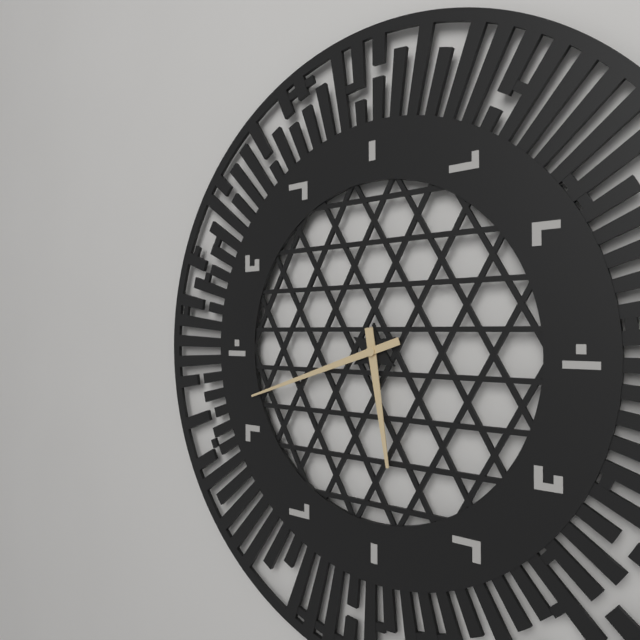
5,42
